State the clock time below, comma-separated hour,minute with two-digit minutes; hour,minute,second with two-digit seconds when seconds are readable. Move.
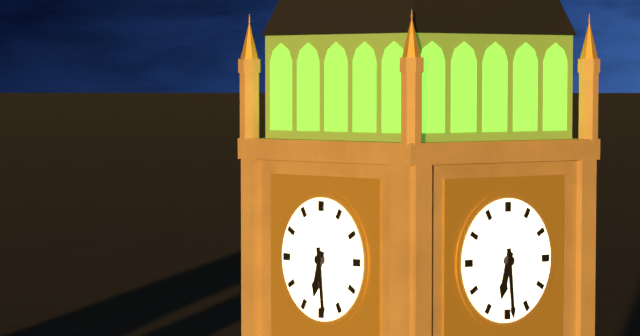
6,29
